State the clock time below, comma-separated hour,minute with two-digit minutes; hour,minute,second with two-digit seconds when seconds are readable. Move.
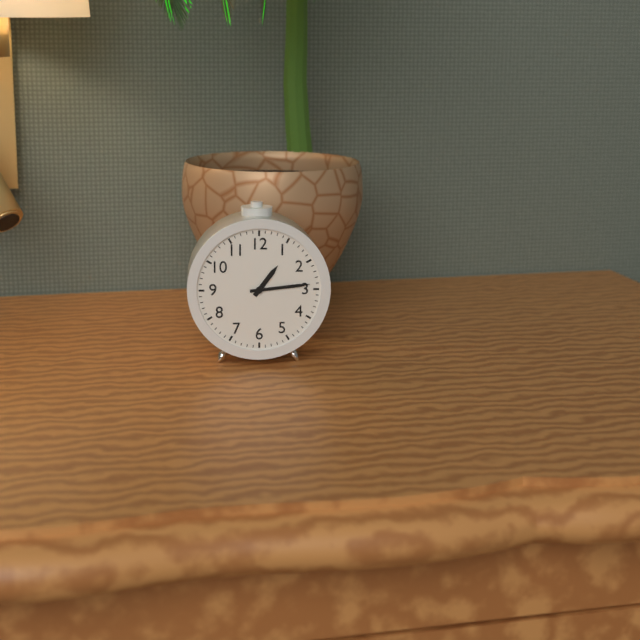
1,14
